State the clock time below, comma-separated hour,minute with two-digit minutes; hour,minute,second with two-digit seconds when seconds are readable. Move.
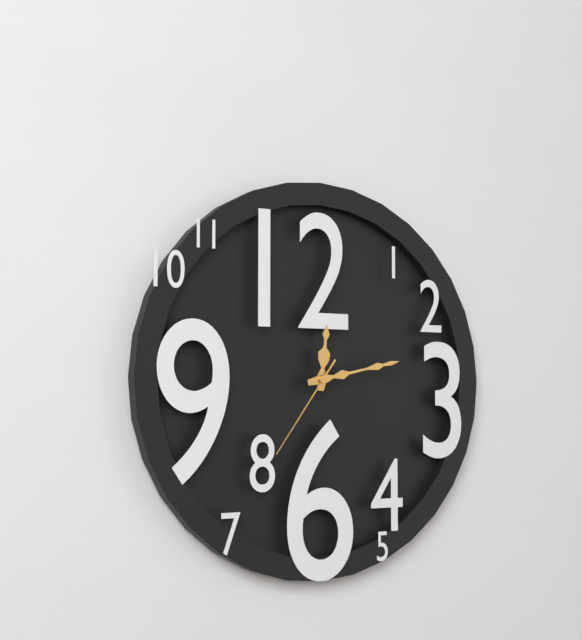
12,13,36
